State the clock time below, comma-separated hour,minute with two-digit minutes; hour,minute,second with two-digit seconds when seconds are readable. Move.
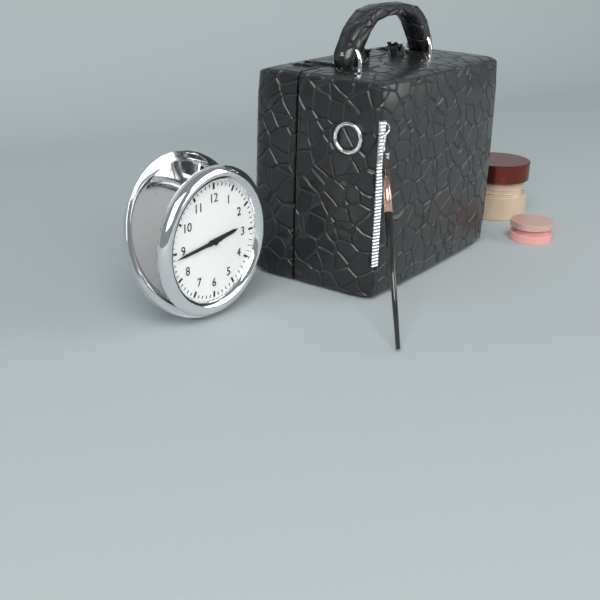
2,44
